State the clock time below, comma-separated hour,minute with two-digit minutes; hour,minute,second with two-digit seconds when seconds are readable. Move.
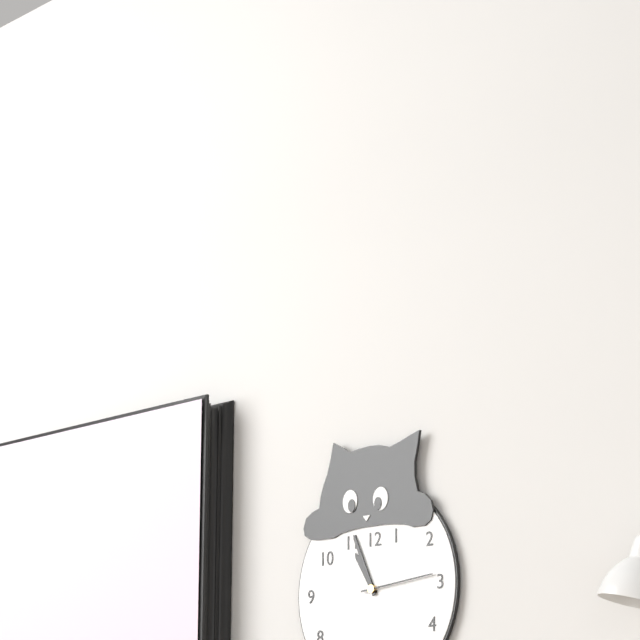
10,56,14
